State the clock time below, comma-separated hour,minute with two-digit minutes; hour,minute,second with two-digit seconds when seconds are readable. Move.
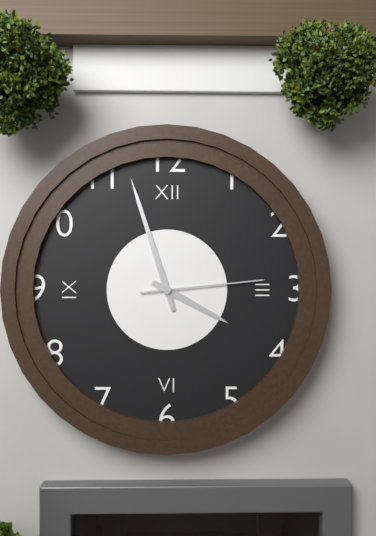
3,57,14
